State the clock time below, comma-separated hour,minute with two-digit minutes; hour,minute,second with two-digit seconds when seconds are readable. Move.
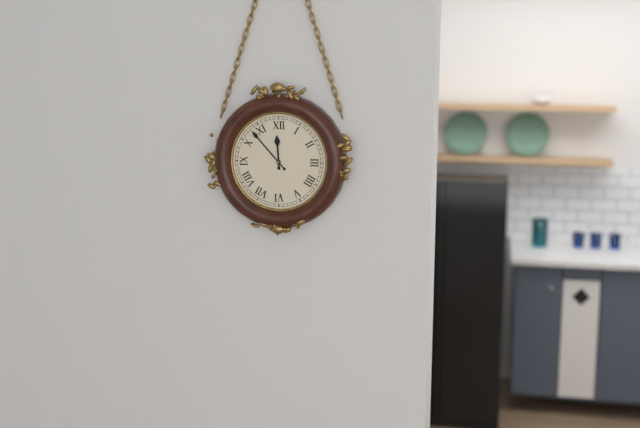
11,53
